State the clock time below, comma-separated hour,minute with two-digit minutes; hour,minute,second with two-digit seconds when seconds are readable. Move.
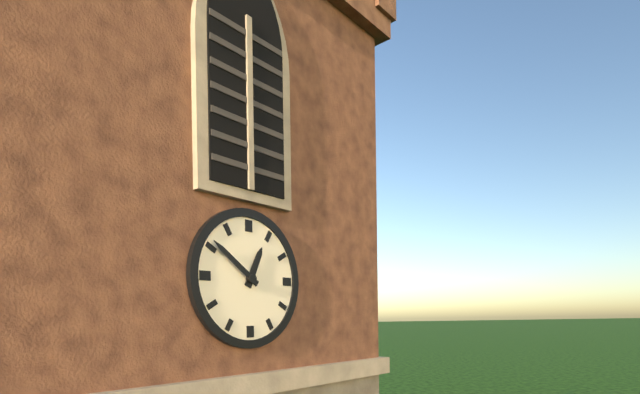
12,51
